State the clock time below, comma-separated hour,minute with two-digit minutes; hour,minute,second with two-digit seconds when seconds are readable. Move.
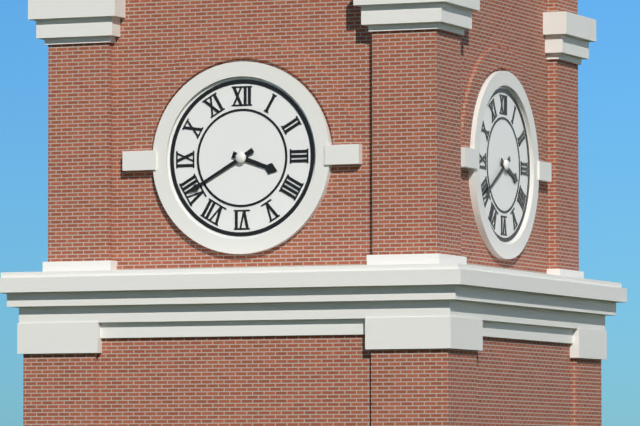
3,40
